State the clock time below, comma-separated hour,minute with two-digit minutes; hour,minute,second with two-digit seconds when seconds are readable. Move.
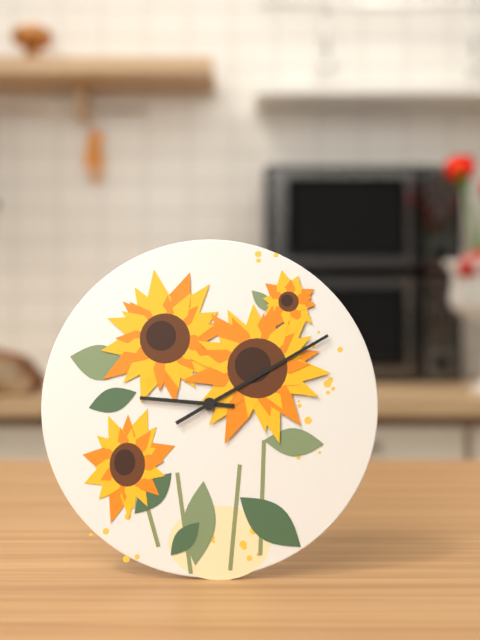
9,10
